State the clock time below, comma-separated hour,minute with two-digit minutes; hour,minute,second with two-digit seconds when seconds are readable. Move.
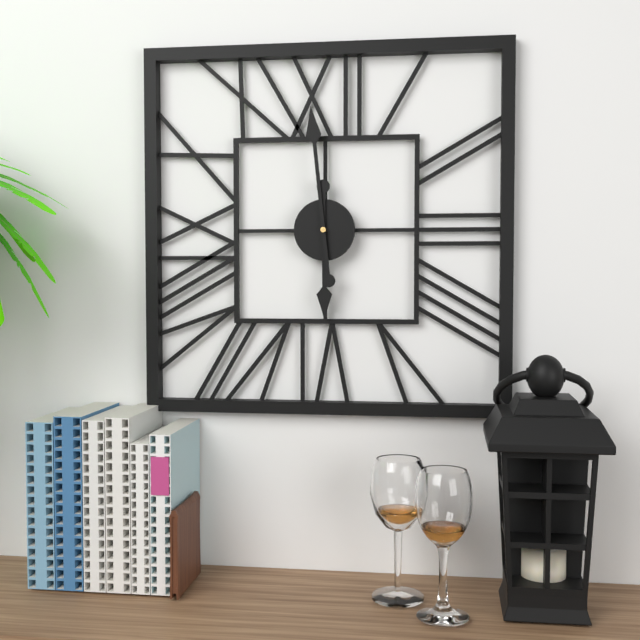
5,59
